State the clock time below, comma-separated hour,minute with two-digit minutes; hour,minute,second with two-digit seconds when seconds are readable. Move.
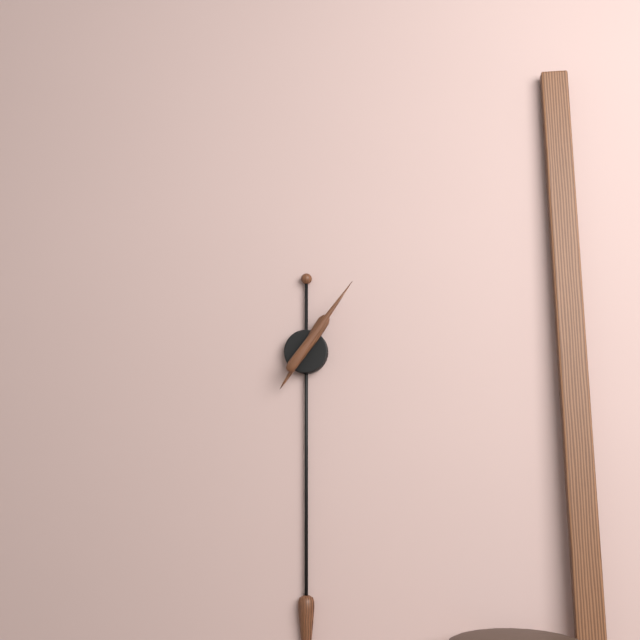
7,06
